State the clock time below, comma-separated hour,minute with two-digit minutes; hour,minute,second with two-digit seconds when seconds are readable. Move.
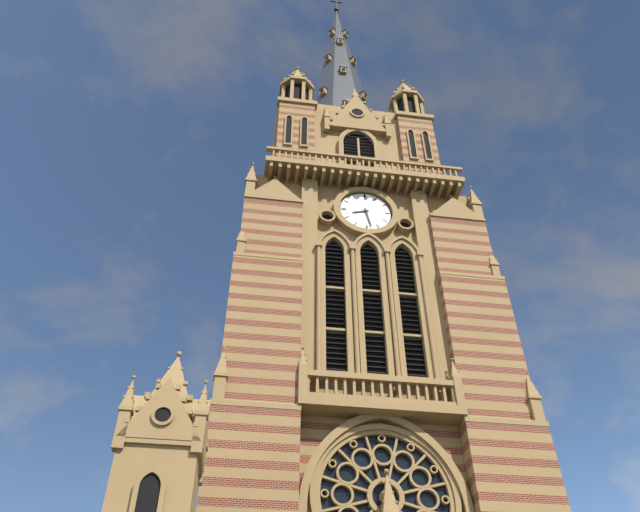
8,28
